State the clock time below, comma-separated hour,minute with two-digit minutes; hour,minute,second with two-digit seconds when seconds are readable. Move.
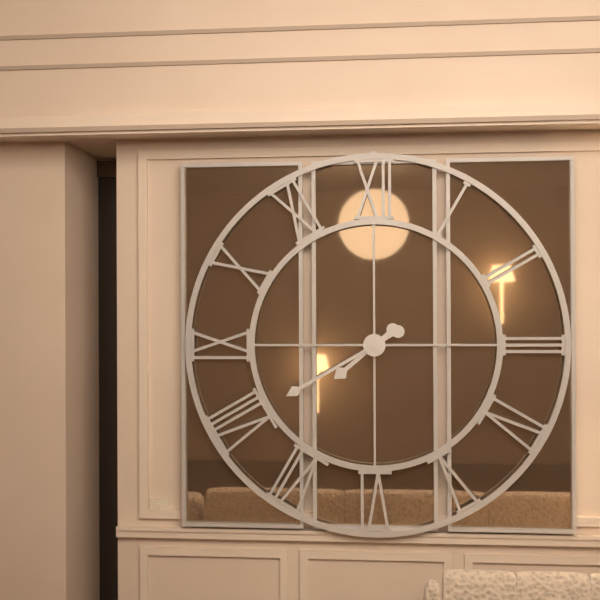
7,40
